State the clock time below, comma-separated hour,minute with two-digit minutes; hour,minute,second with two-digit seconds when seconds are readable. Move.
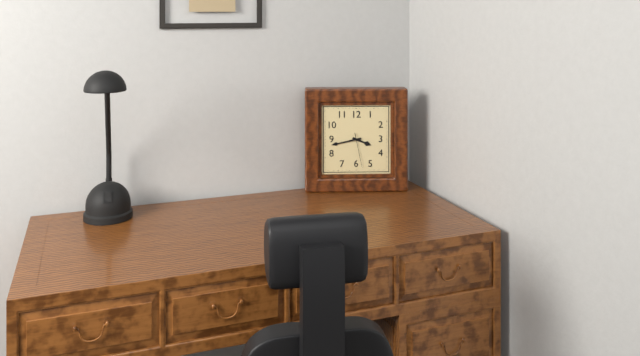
3,43
